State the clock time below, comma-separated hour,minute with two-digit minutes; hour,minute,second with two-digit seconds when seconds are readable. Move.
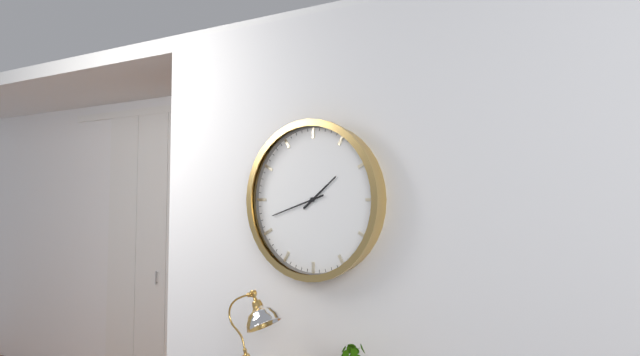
1,42
